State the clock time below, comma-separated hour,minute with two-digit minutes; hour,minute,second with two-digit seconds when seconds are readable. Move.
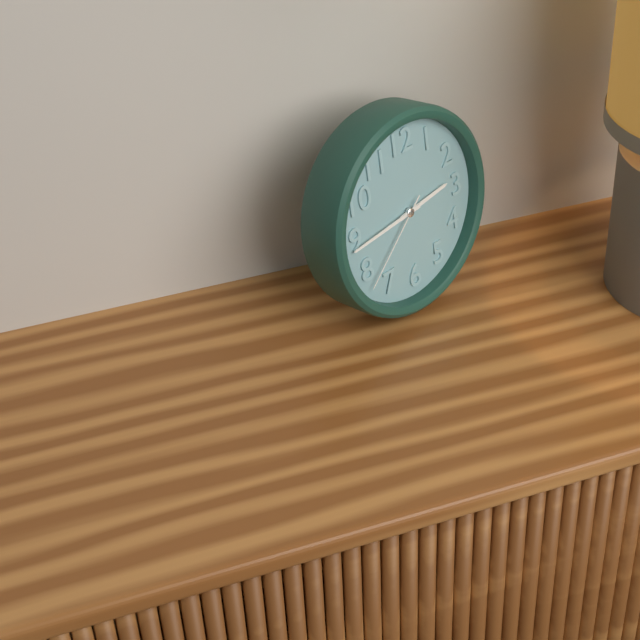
2,44,38
